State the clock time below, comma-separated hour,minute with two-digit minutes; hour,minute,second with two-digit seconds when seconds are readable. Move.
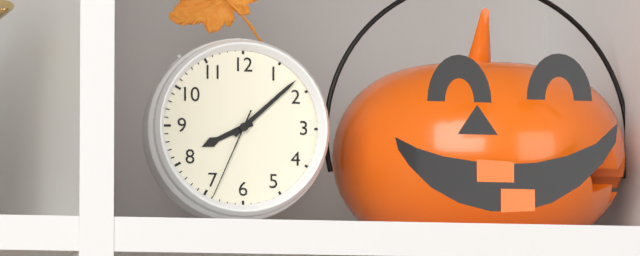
8,08,34
